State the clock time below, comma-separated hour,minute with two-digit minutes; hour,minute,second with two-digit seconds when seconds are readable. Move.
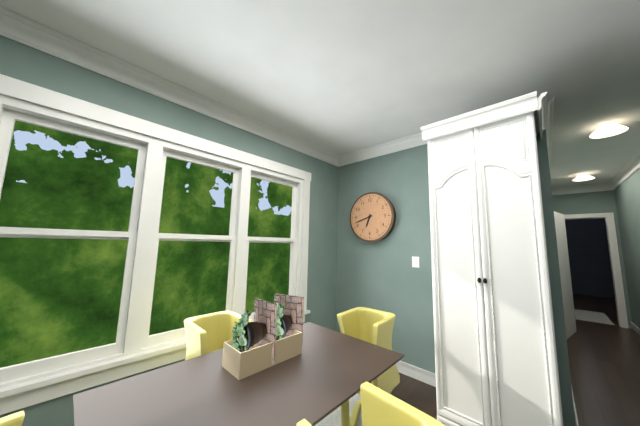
6,42
